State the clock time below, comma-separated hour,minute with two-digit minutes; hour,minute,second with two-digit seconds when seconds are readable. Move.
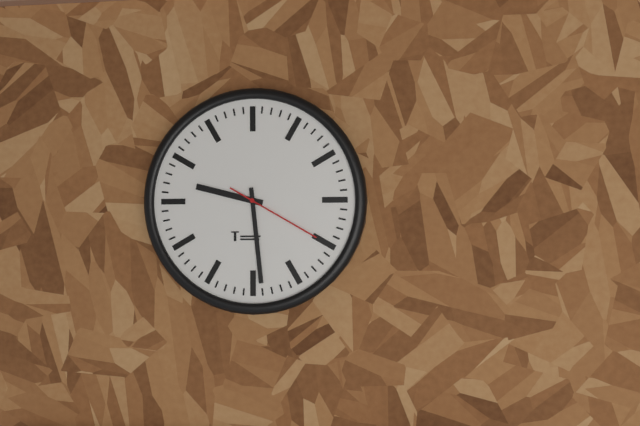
9,29,20
